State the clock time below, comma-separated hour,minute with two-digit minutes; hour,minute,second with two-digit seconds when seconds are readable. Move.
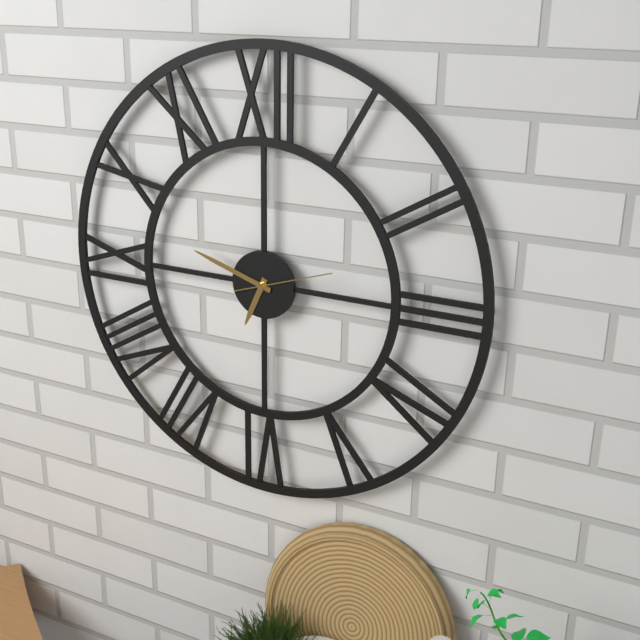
6,48,12
